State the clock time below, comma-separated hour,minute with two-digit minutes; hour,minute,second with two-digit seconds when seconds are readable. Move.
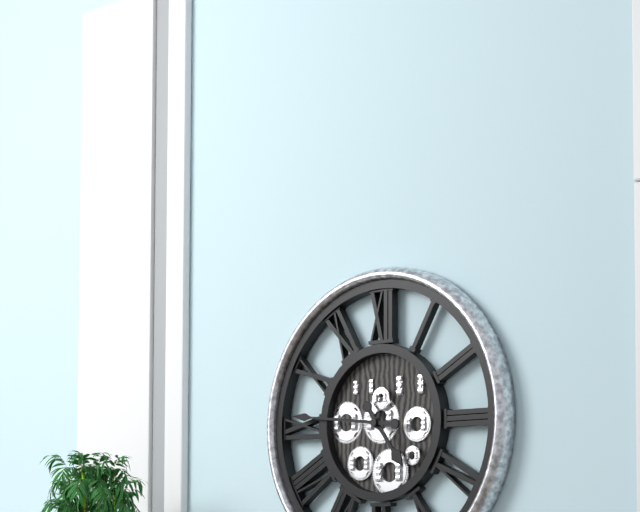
4,46
